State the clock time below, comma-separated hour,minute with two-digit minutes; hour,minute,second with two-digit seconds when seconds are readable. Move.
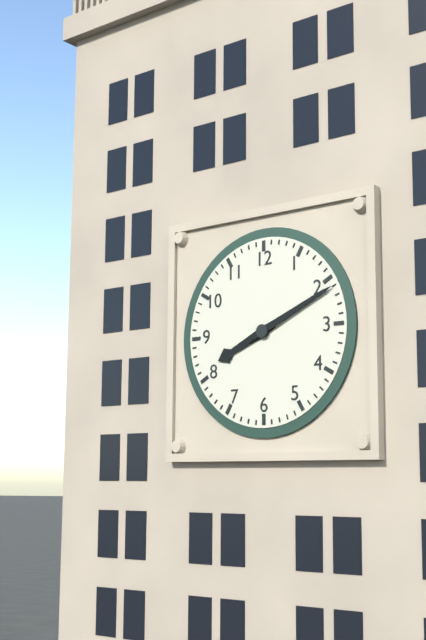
8,11
